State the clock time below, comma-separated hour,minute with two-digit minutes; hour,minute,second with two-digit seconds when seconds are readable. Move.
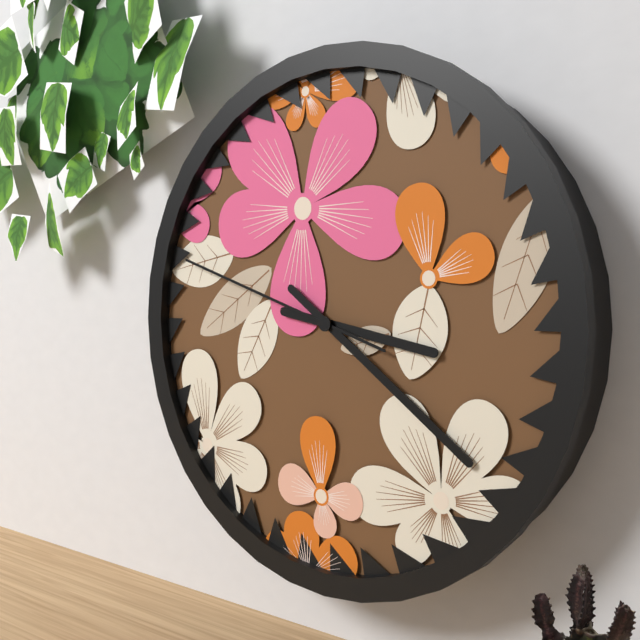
3,21,48
